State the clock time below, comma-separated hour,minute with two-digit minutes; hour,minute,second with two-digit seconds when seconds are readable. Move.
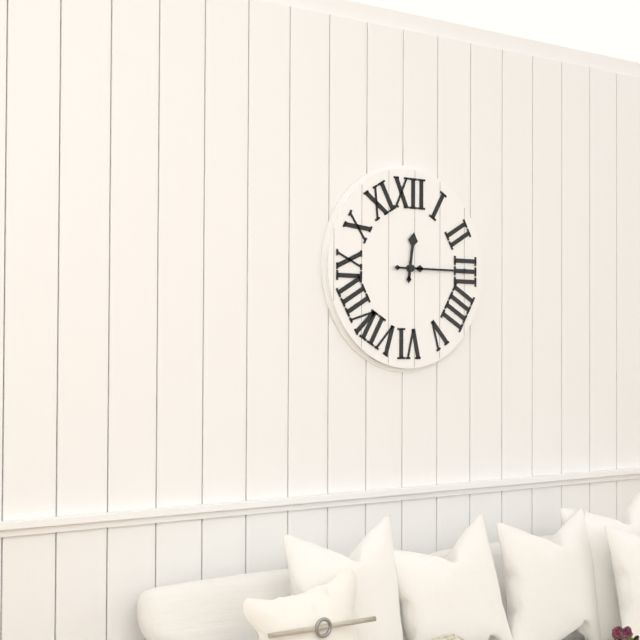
12,15
